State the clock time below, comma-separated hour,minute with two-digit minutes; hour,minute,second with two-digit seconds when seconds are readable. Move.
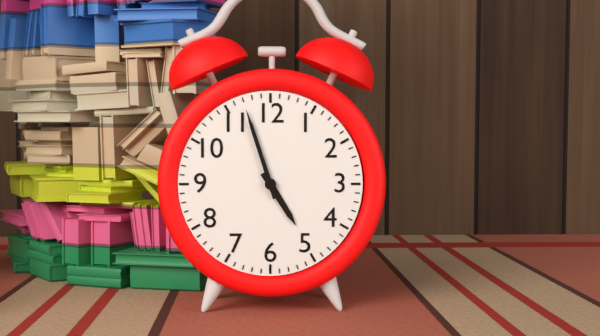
4,57
